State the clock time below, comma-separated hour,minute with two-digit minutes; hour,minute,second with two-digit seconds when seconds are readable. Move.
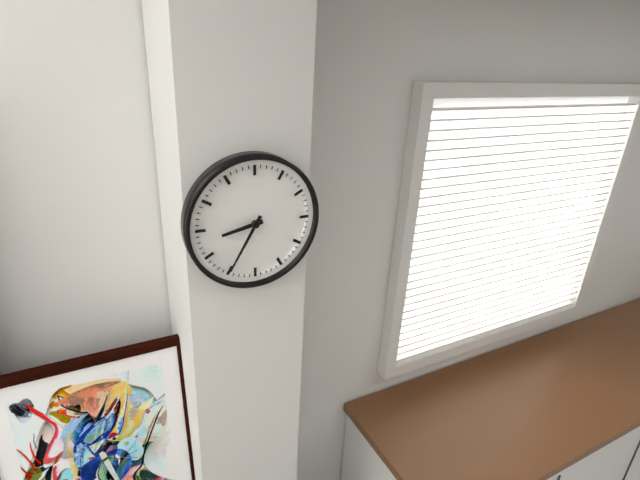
8,35
